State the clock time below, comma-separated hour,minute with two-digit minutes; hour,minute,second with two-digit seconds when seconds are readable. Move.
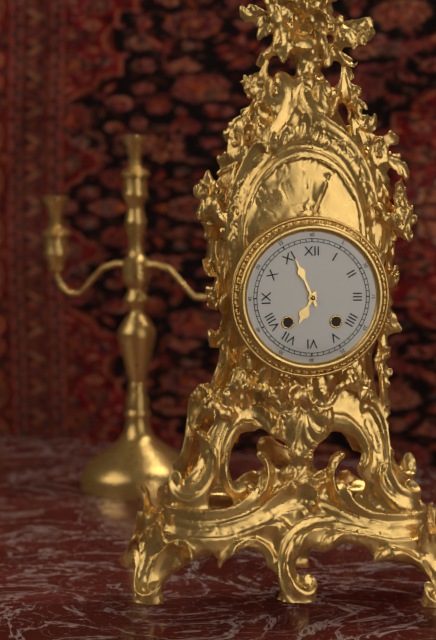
6,56
